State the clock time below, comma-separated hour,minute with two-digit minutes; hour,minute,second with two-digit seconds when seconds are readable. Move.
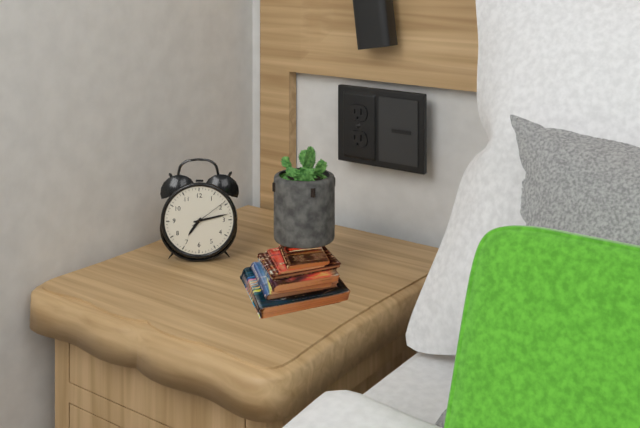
7,13
